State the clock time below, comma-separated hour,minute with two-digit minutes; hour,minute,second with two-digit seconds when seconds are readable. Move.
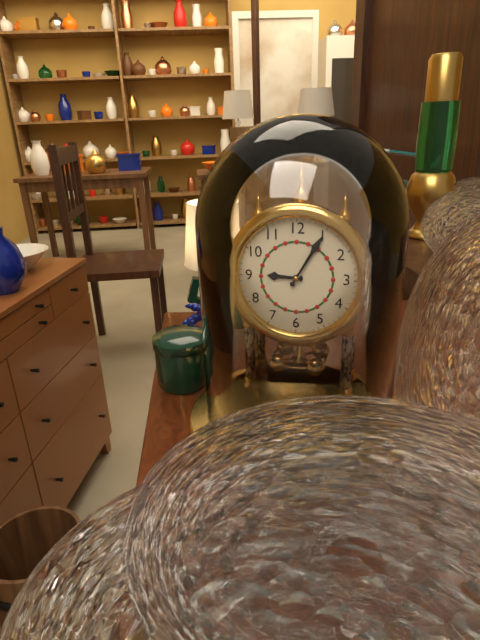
9,05
